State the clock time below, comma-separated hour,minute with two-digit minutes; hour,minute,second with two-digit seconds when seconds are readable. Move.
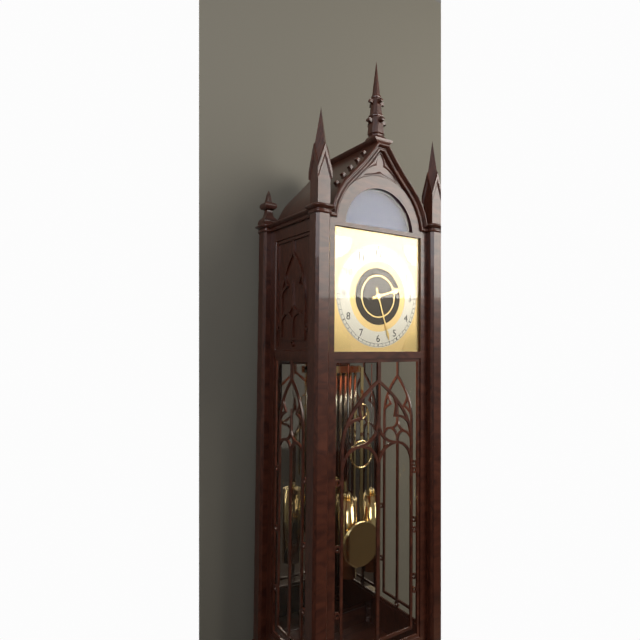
2,27
